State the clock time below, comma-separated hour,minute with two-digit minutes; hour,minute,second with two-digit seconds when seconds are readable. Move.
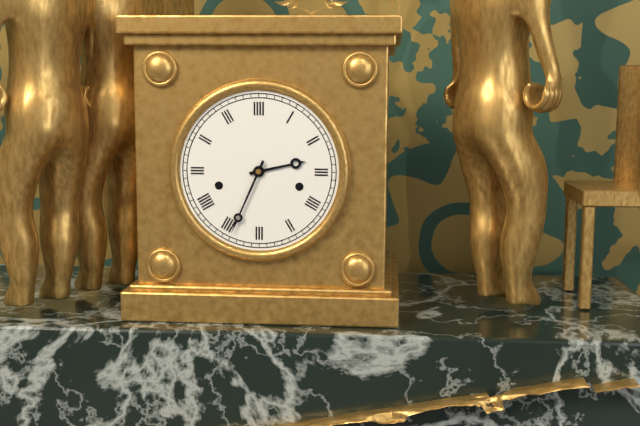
2,34
